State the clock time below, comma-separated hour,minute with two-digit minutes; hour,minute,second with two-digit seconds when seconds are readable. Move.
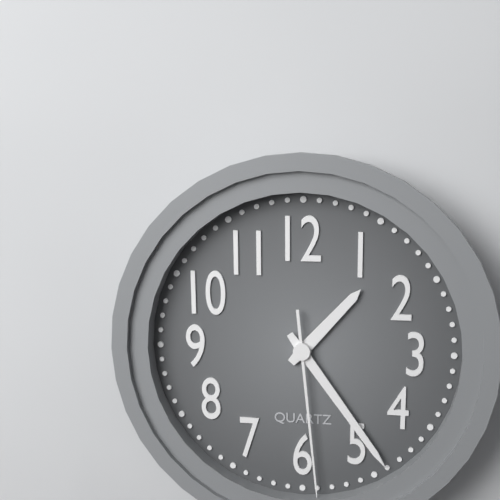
1,24
